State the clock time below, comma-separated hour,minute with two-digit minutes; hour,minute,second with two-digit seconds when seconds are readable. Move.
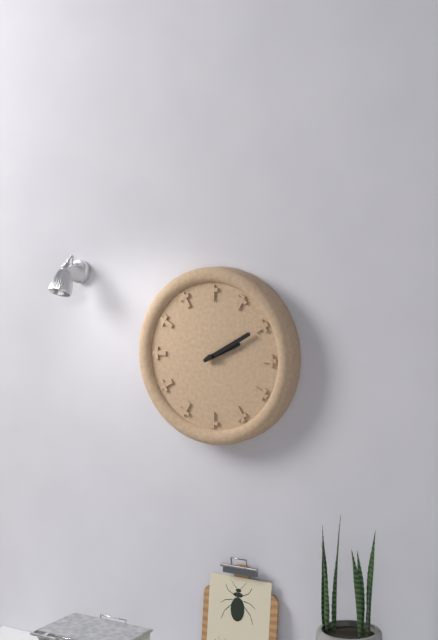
2,10
